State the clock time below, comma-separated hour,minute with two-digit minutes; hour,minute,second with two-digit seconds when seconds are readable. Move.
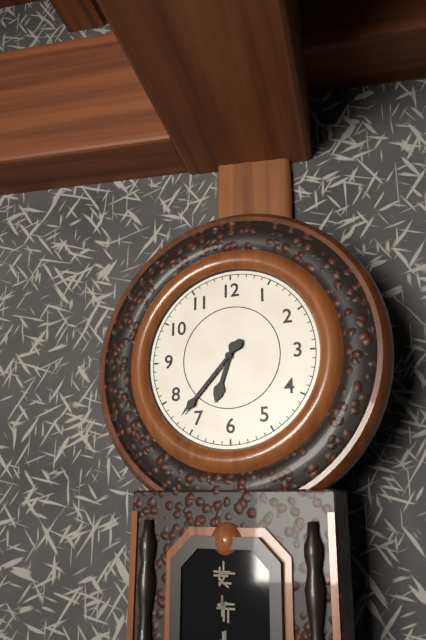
6,37
